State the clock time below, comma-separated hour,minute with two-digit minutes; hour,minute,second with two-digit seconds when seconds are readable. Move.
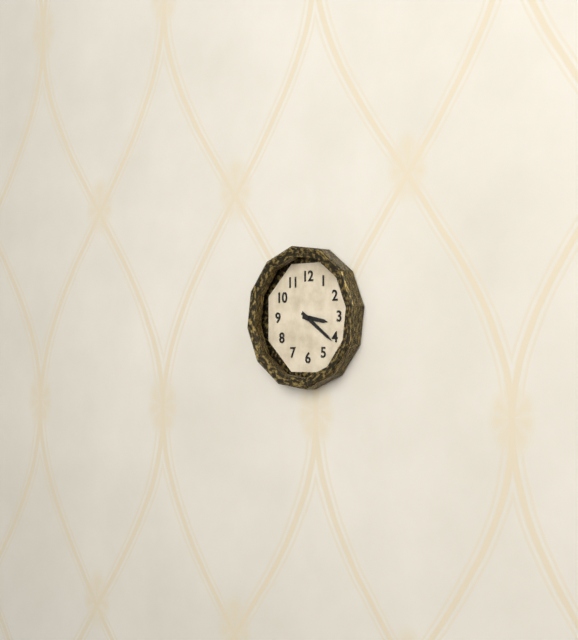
3,21
